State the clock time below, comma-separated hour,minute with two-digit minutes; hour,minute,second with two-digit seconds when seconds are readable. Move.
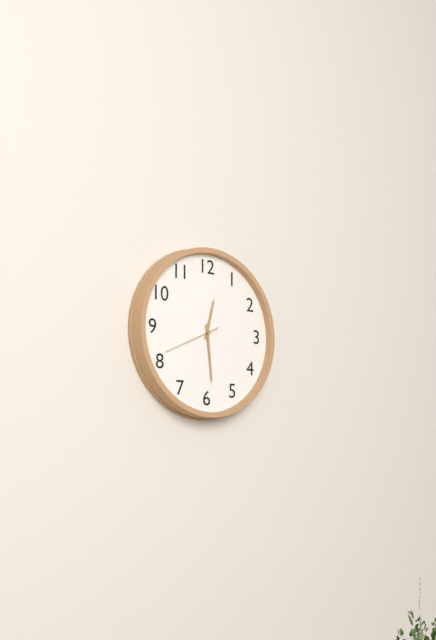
12,29,41
